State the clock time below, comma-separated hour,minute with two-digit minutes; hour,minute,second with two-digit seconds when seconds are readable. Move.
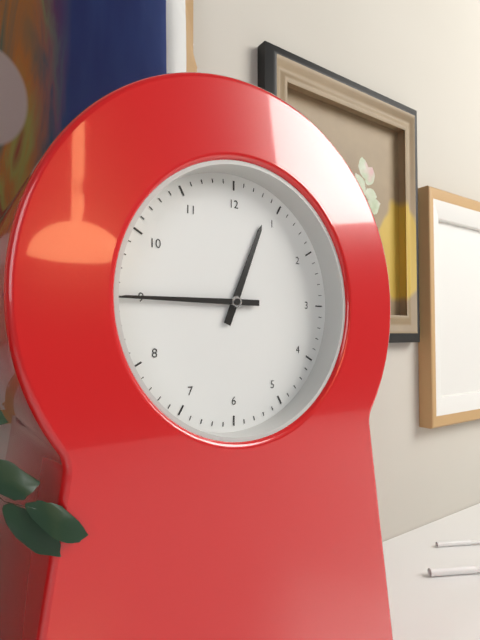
12,45
